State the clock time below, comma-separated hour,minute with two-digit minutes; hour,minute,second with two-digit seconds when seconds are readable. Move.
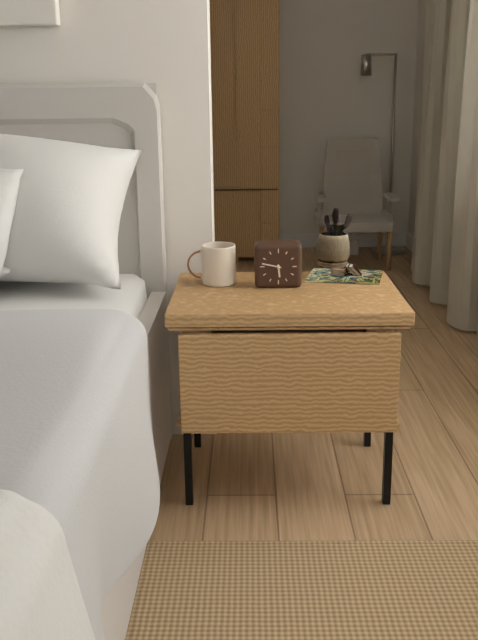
5,47
